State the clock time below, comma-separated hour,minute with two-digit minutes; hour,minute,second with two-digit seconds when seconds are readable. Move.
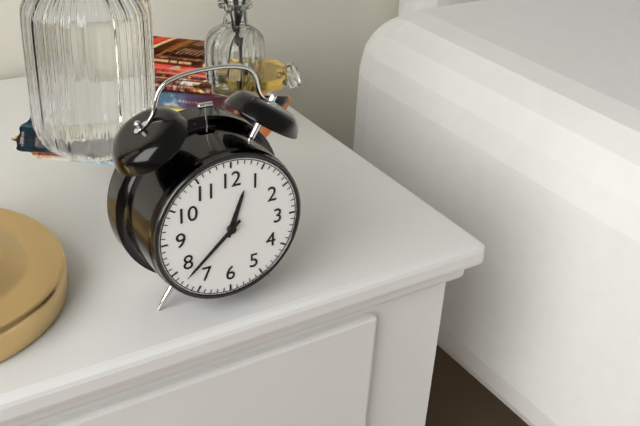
12,38
